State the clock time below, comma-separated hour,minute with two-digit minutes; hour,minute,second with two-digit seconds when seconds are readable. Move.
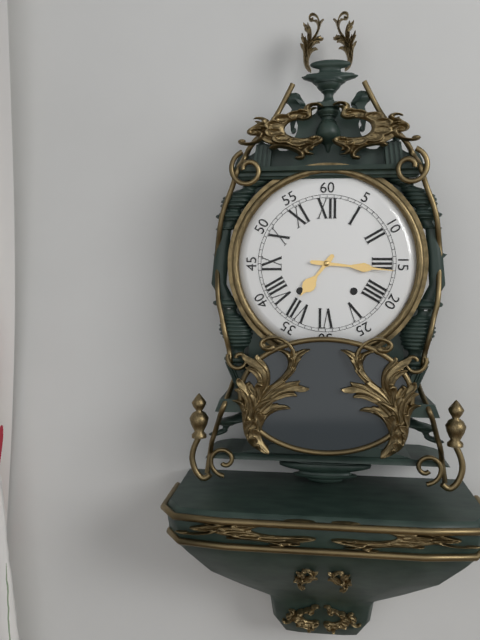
7,16
